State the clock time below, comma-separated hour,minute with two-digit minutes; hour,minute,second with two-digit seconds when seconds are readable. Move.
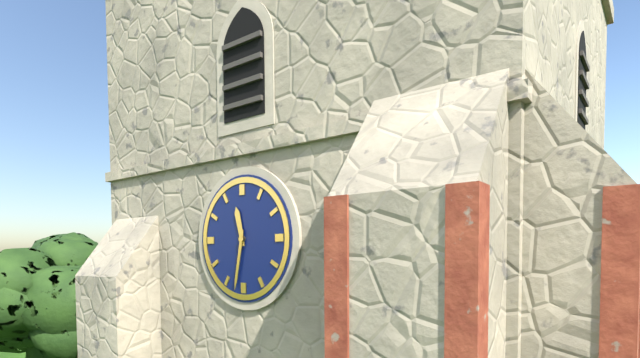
11,32
